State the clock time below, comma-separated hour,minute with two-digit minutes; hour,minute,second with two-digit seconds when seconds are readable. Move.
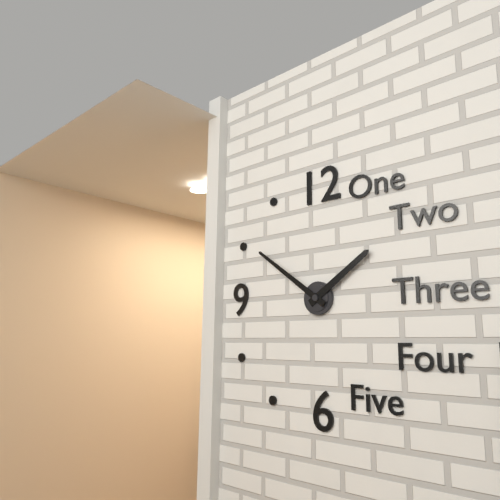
1,51
